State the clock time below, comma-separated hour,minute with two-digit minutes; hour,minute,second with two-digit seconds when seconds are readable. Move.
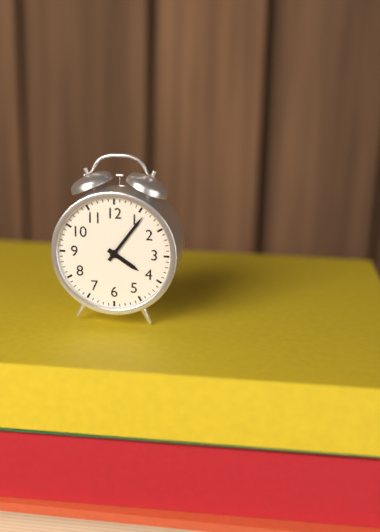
4,06
